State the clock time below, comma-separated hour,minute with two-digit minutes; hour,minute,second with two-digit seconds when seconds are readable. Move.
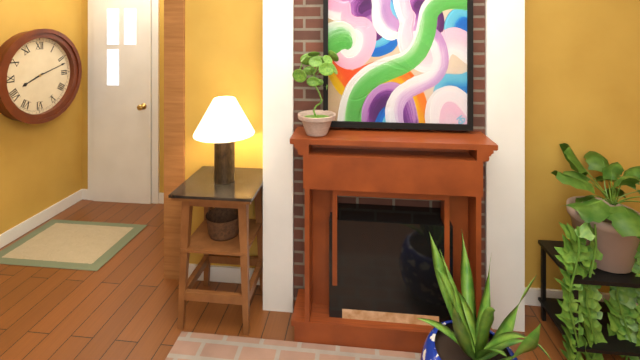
8,12
